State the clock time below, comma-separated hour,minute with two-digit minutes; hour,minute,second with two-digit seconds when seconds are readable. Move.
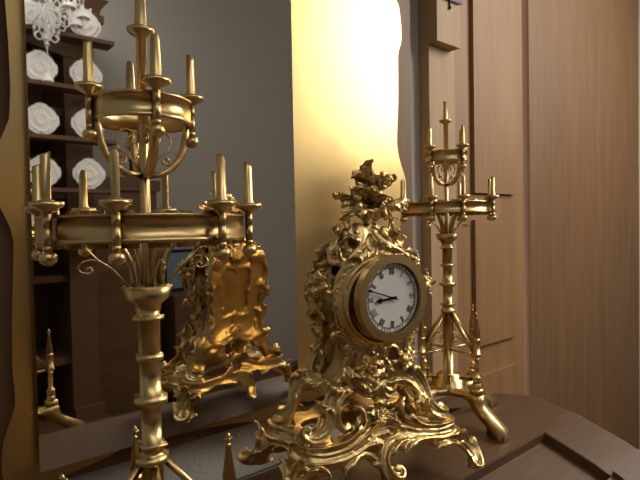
8,48
